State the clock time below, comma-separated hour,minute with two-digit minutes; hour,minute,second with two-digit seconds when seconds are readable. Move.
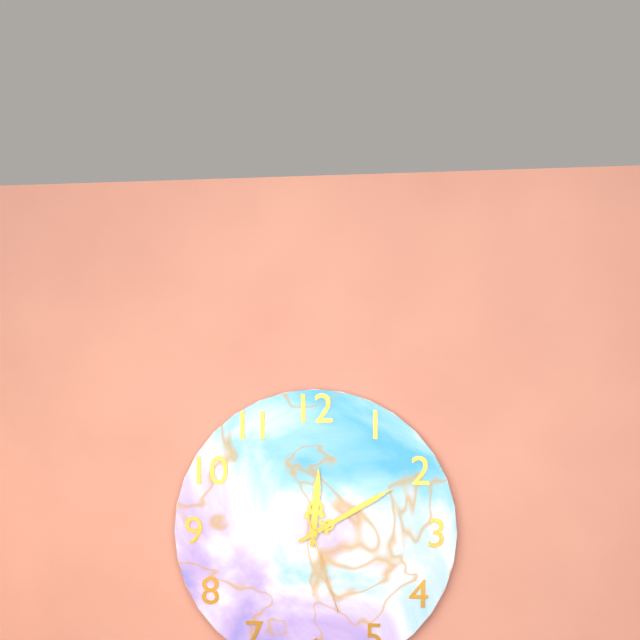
12,10,27
